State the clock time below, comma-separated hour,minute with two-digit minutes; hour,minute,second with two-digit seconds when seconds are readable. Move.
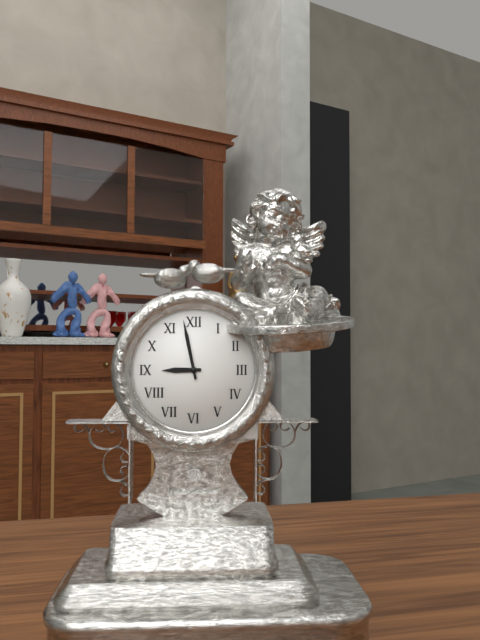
8,58
